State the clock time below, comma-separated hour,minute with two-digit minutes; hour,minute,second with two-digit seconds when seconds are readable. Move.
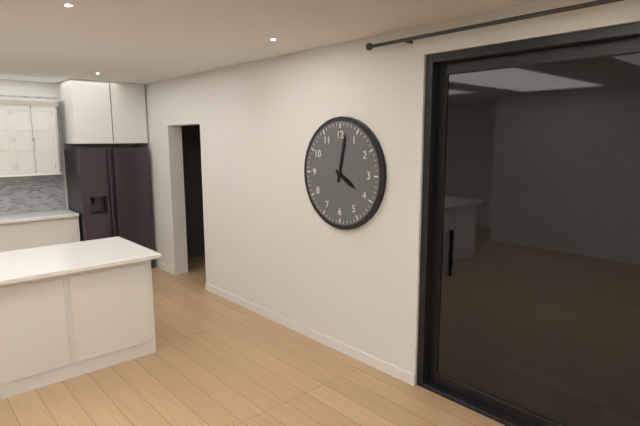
4,02
